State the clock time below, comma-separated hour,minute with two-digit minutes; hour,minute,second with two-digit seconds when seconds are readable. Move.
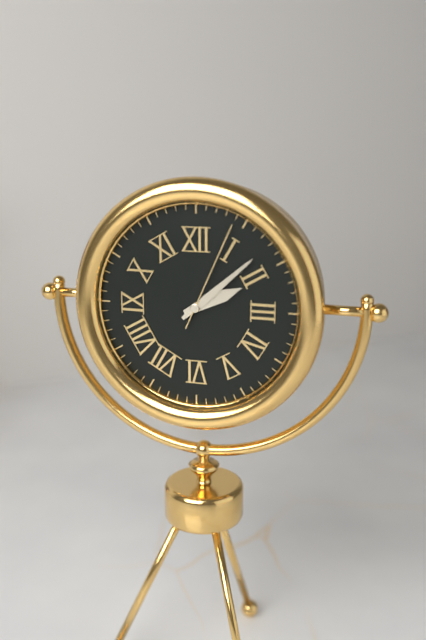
2,08,04
